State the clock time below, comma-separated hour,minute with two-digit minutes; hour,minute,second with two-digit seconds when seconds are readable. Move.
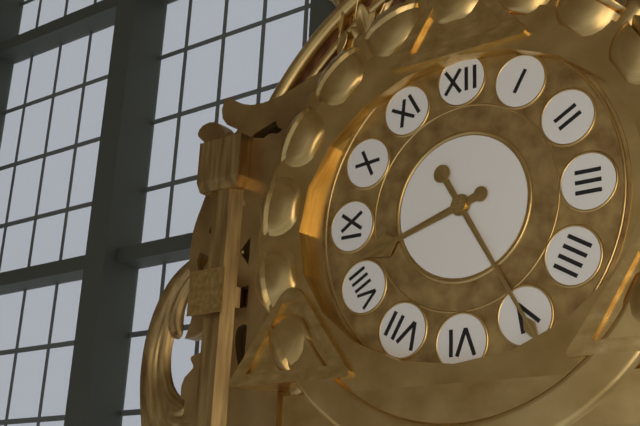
8,25
